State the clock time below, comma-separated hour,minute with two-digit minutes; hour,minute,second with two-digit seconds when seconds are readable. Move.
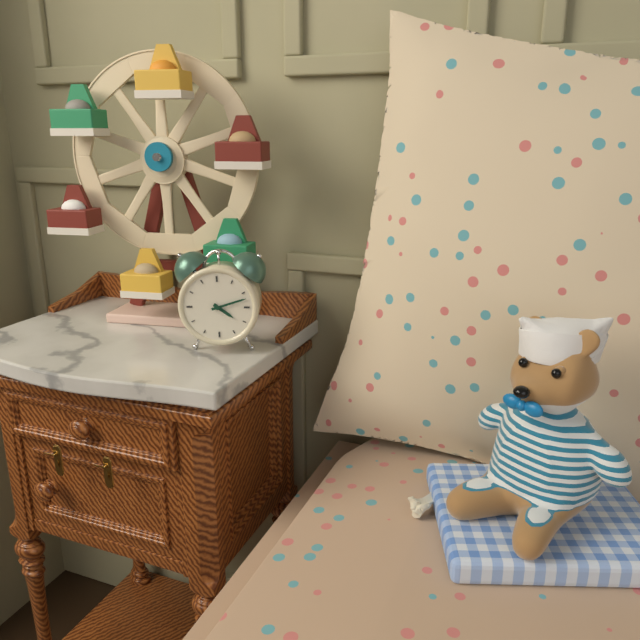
4,12
